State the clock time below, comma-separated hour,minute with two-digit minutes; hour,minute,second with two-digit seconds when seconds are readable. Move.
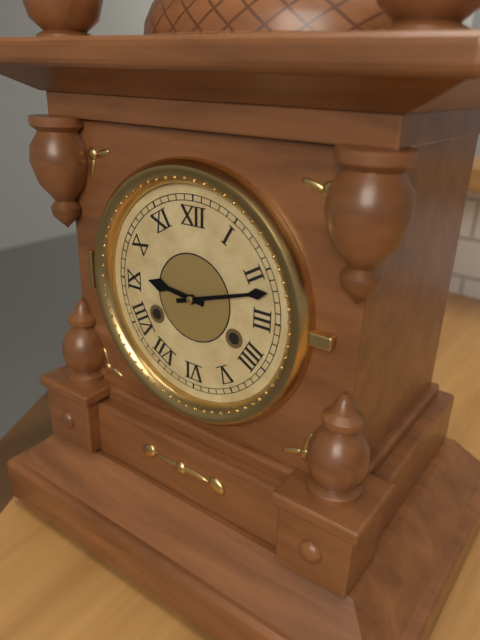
9,12
